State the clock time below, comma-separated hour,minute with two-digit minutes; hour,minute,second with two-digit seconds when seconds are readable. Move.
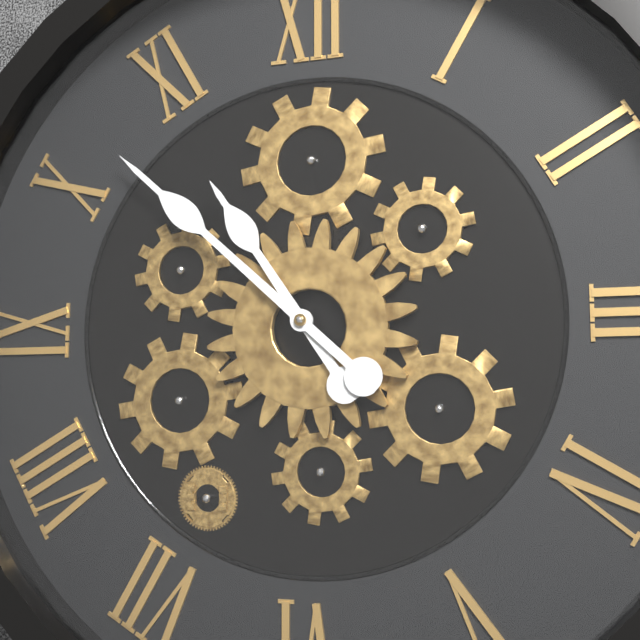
10,52
